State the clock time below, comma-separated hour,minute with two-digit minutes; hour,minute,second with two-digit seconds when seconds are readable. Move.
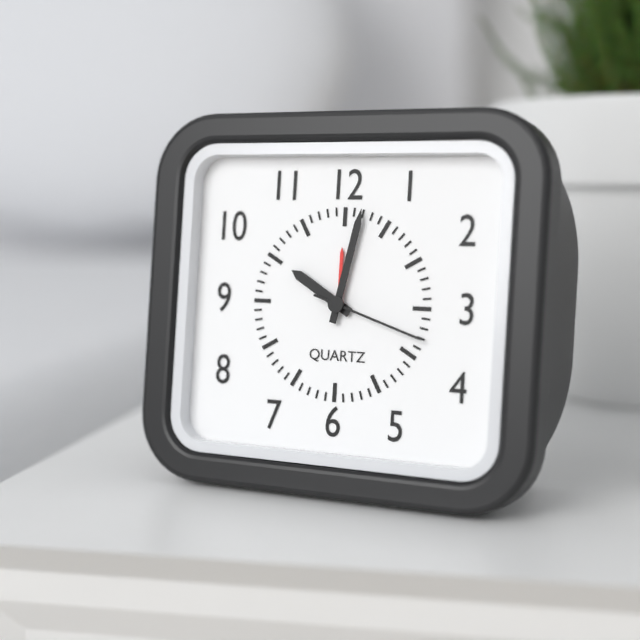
10,02,18
